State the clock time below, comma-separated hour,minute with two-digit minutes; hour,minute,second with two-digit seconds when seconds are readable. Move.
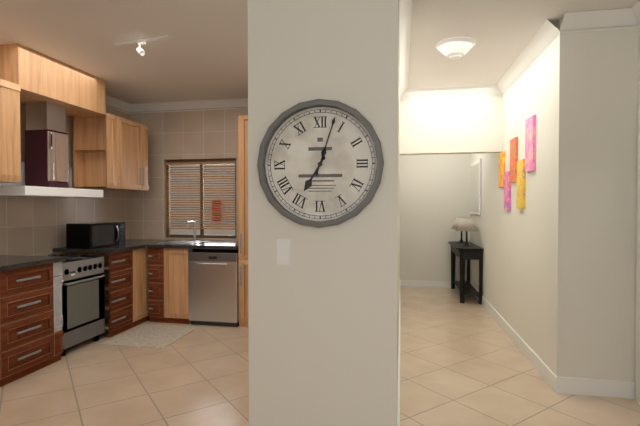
7,03
